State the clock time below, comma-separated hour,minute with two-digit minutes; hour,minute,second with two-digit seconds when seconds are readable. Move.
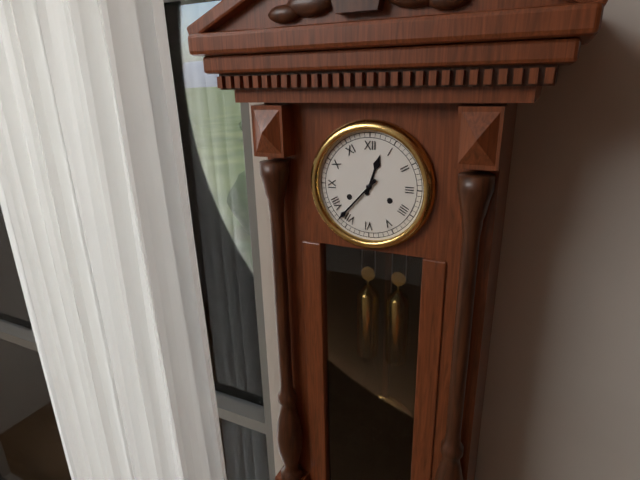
12,37
